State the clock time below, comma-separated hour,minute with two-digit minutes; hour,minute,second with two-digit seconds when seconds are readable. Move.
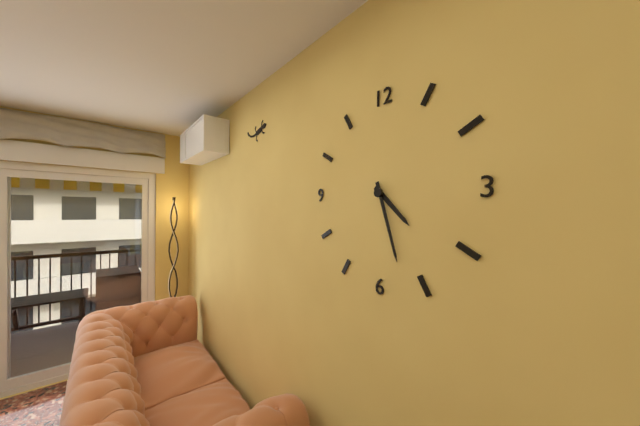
4,27
